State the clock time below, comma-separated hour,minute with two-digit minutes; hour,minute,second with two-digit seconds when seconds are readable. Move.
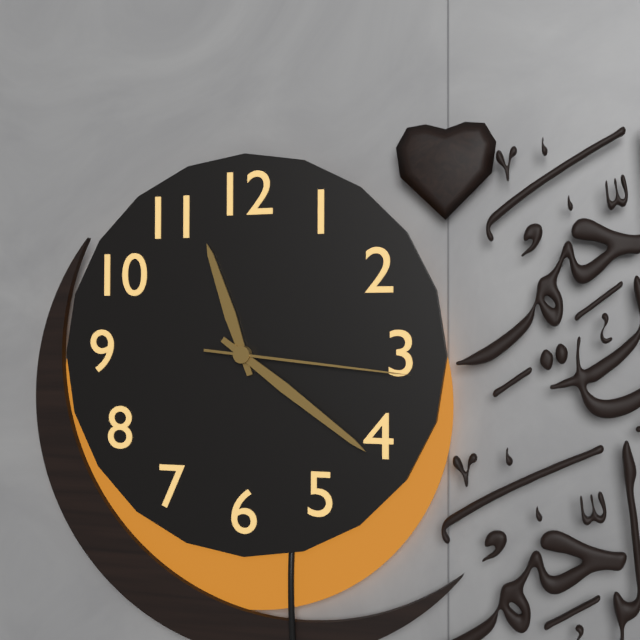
11,21,16
